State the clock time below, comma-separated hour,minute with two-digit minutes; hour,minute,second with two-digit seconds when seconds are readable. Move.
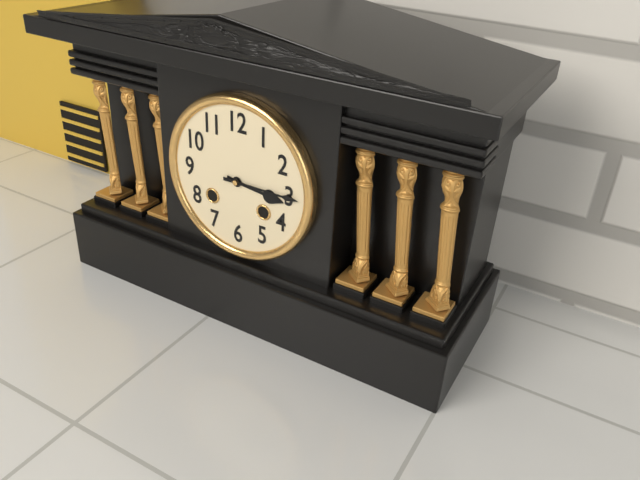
3,15
